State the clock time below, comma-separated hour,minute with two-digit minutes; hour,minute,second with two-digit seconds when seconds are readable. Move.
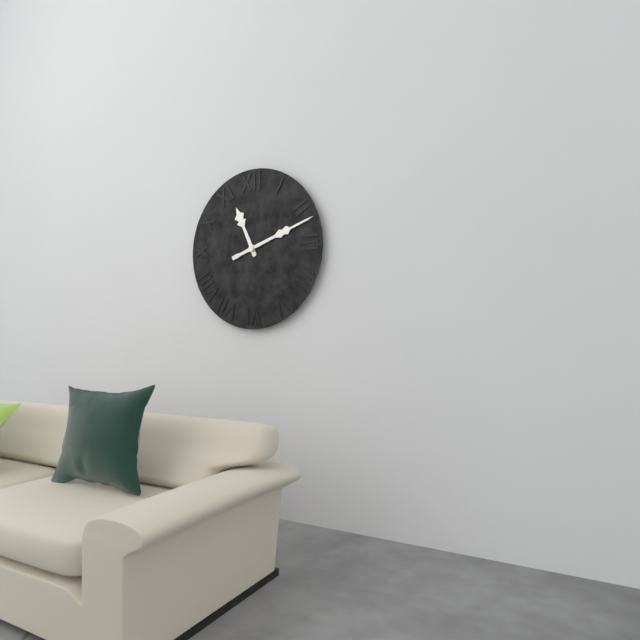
11,12
